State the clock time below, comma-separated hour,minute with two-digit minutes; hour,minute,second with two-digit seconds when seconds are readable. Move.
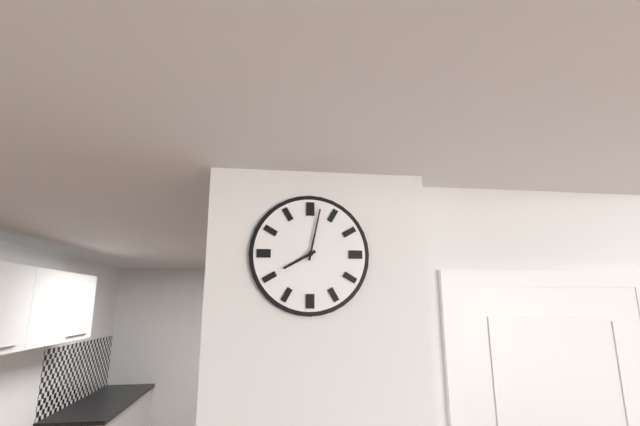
8,02
